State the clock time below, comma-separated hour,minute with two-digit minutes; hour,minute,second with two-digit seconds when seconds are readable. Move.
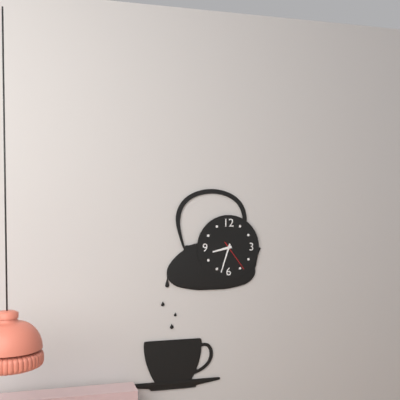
8,33
